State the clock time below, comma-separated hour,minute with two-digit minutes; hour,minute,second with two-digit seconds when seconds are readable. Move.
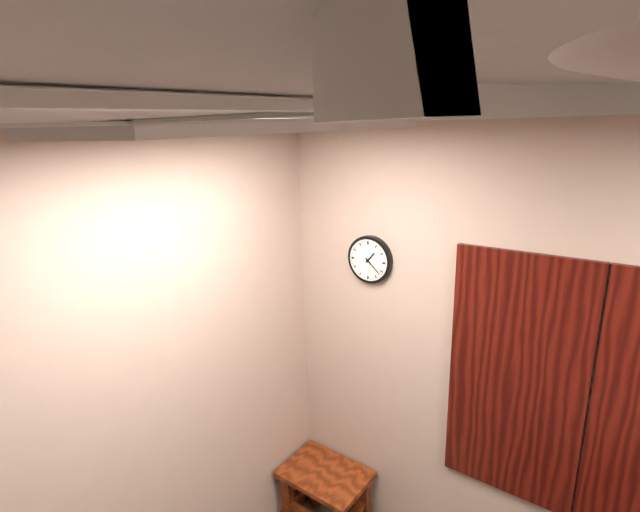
1,22
